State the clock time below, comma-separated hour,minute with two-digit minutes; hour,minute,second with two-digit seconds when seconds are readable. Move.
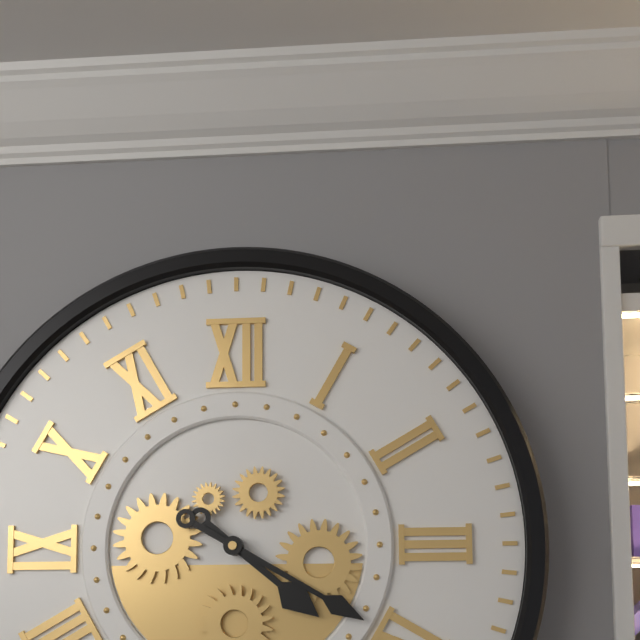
4,20
